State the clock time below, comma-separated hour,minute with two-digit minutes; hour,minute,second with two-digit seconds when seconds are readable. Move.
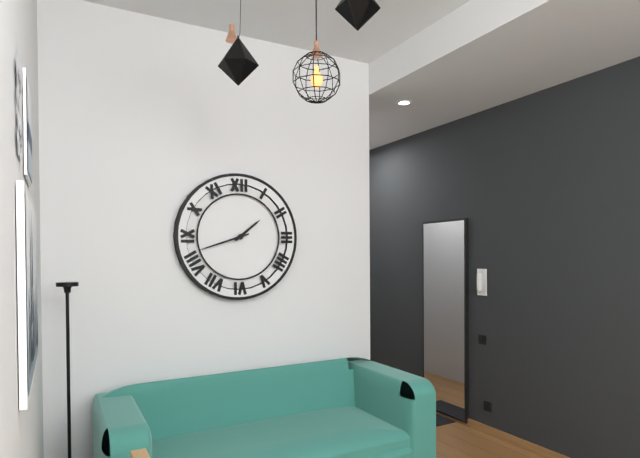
1,42
